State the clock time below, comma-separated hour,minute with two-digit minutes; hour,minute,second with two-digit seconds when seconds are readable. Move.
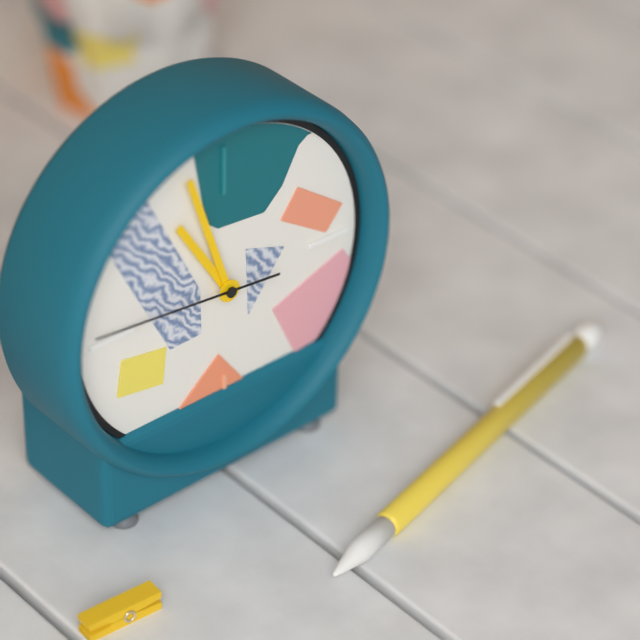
10,57,46
